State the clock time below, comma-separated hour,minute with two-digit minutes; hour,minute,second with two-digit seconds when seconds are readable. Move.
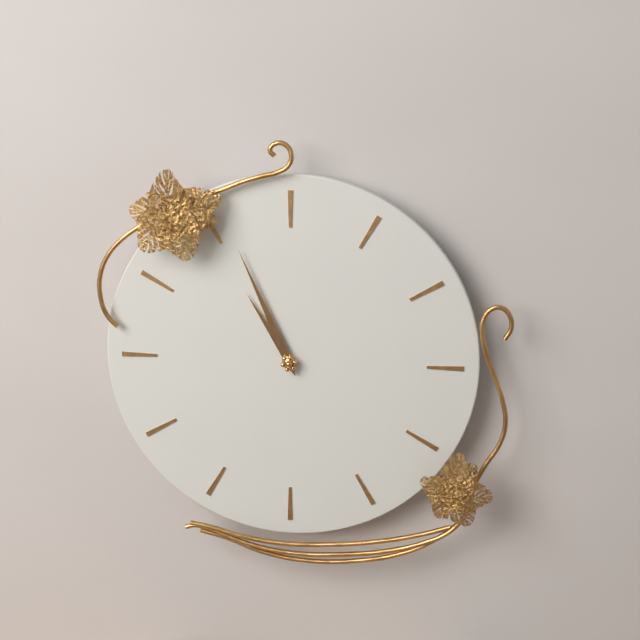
10,56
